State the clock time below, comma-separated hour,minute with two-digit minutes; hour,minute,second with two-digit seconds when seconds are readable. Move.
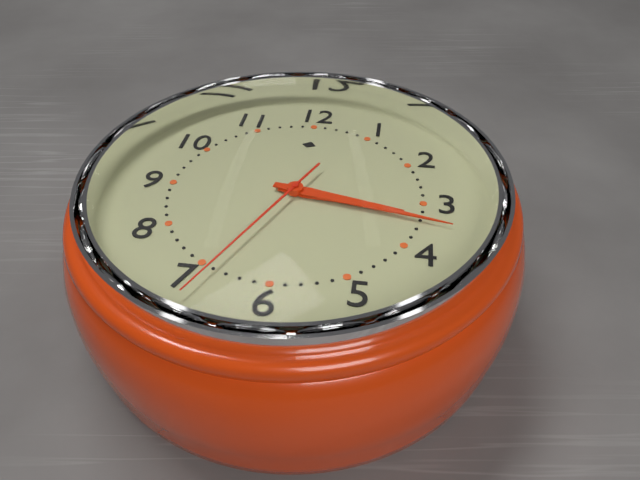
3,17,34
